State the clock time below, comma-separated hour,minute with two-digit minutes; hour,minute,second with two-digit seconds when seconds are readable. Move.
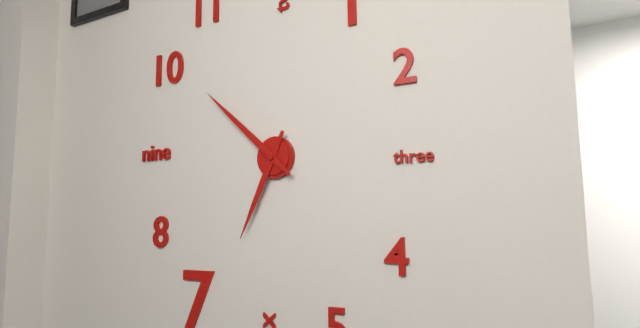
6,52
